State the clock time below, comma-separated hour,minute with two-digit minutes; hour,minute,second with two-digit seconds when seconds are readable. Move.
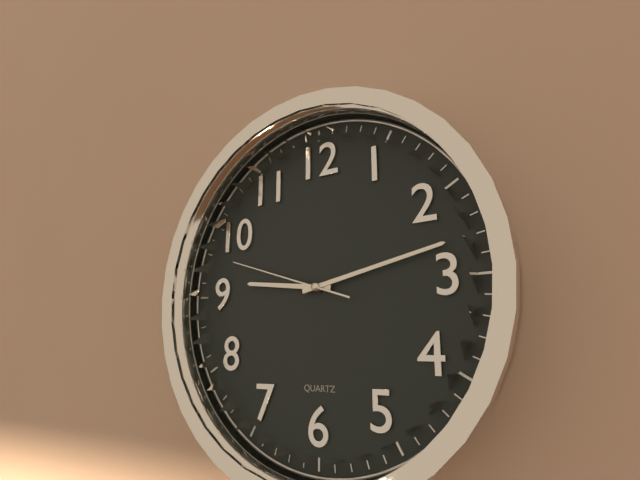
9,13,48
